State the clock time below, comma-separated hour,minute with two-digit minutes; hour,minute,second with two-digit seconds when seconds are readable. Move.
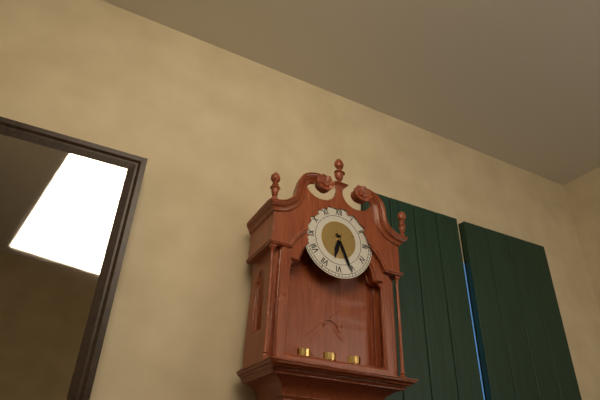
6,26
